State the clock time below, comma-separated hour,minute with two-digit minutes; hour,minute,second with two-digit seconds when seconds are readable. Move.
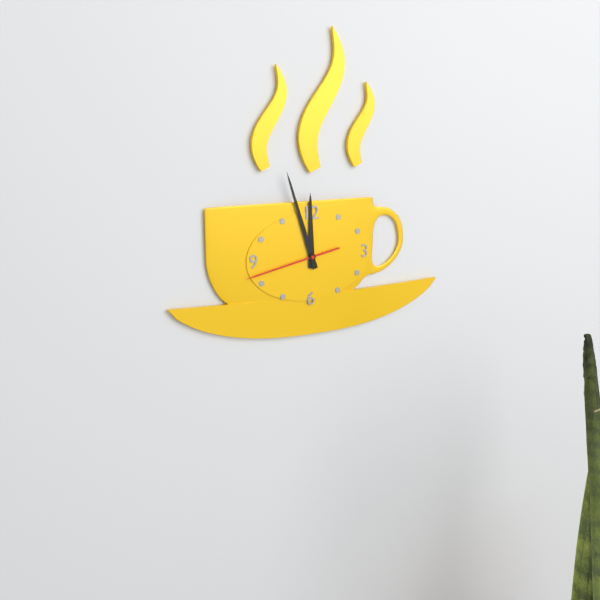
11,57,43
